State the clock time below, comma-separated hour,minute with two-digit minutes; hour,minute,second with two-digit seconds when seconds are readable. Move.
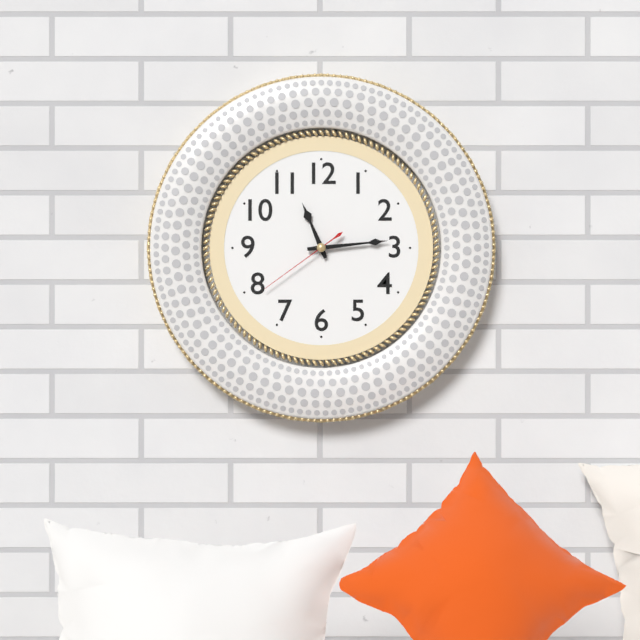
11,14,39
